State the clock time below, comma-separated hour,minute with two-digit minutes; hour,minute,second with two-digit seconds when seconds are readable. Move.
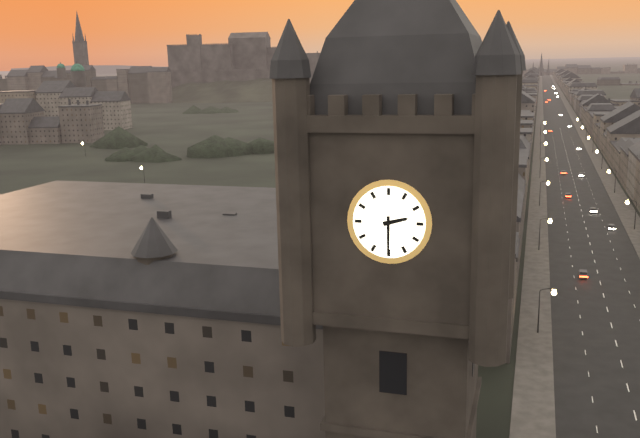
2,30
